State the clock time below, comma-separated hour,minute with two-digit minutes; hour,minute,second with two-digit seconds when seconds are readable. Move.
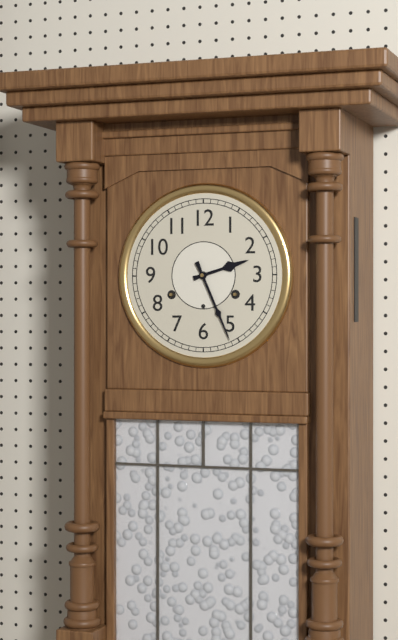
2,26
